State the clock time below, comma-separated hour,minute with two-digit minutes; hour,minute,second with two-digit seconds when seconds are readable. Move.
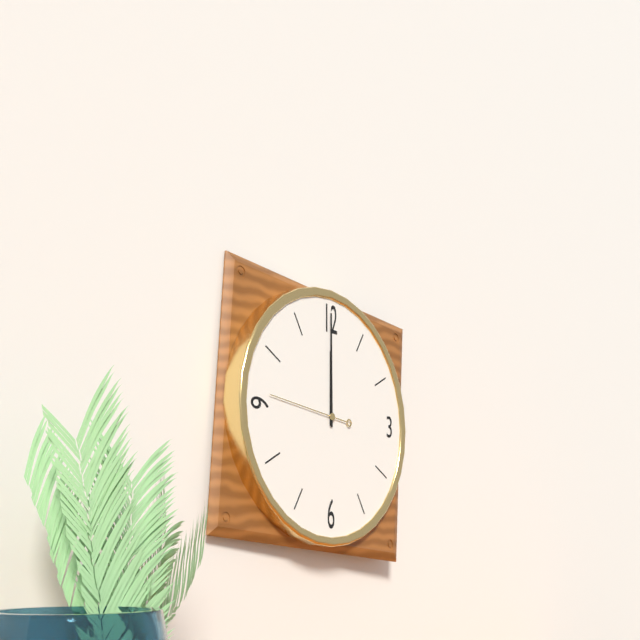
12,00,46
